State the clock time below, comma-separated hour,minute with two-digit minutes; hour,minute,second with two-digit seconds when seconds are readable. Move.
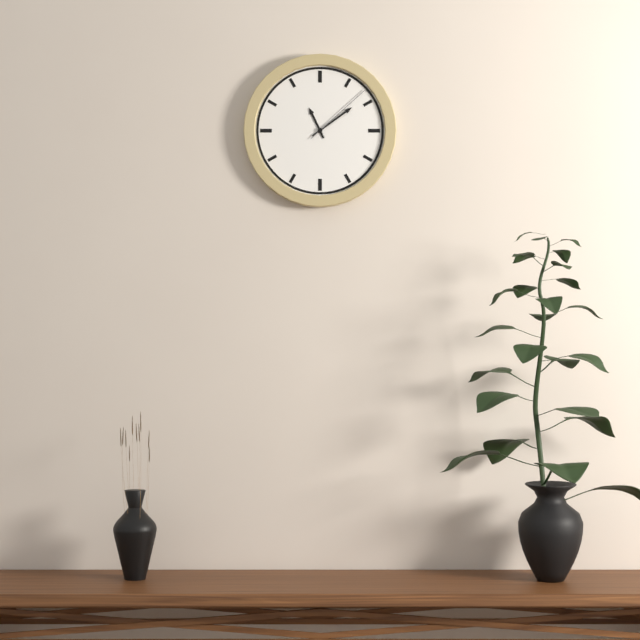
11,09,08
